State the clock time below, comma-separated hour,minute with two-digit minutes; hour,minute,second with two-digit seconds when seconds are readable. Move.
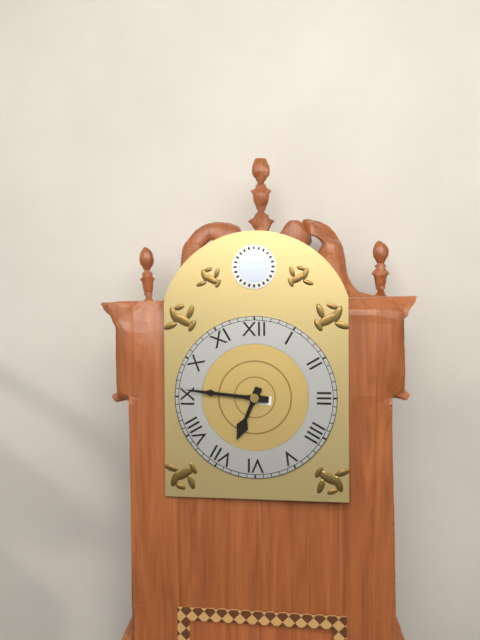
6,46
